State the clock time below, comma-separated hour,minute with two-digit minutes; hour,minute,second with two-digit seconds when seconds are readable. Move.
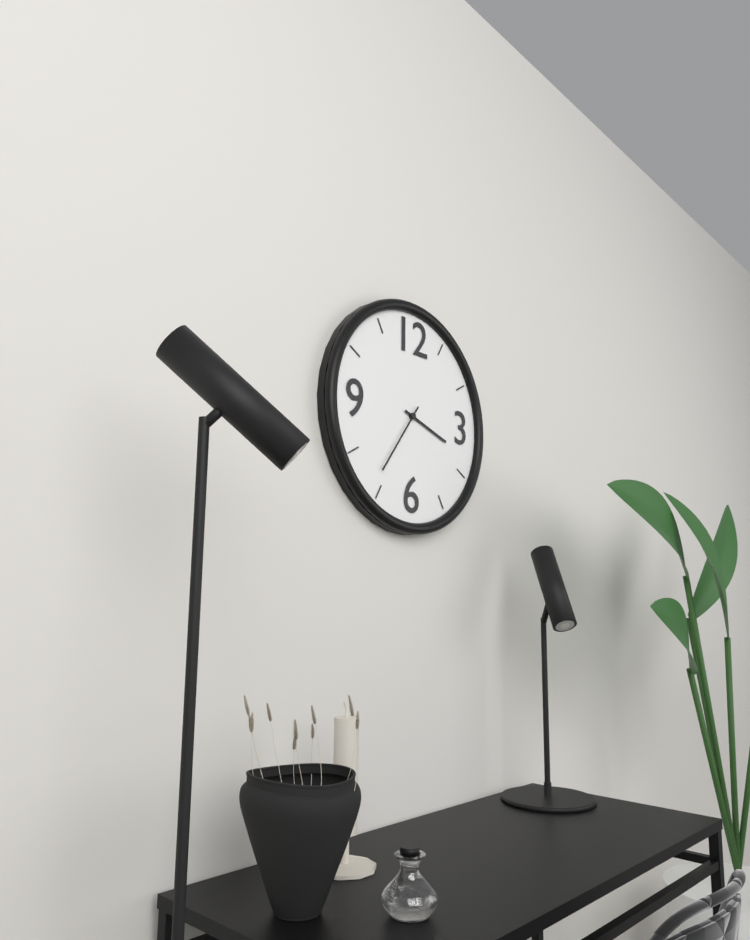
3,36
